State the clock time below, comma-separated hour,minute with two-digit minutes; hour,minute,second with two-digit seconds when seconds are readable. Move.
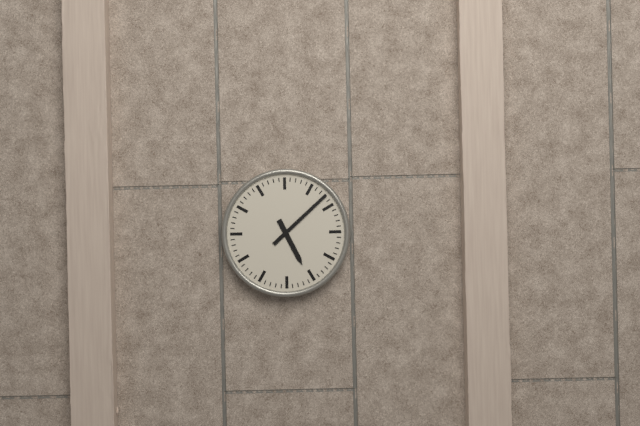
5,08
